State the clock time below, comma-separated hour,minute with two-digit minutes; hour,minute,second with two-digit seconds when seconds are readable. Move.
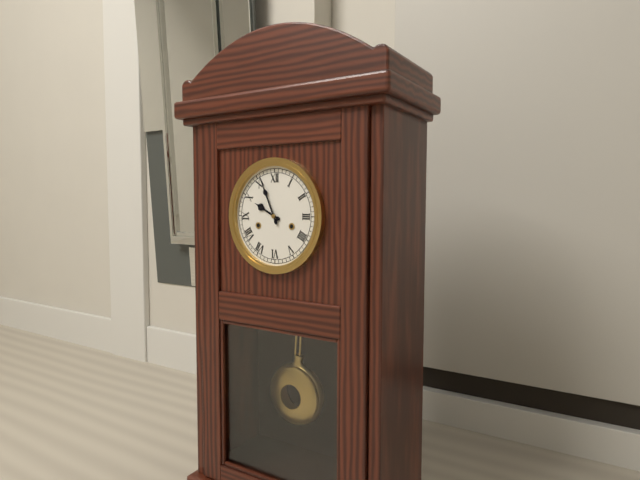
9,56
